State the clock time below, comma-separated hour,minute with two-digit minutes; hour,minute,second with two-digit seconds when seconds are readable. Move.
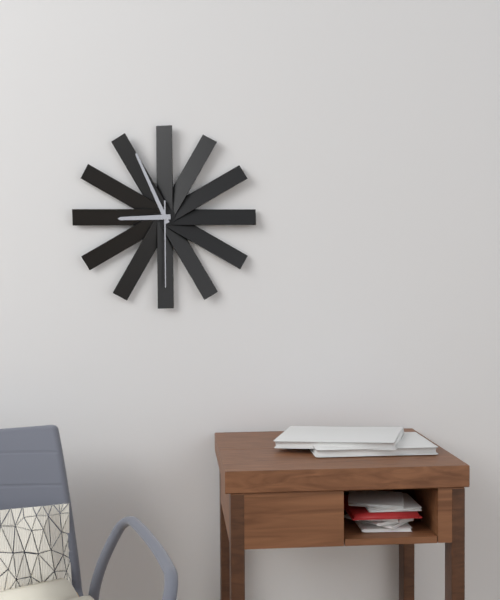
8,56,30
